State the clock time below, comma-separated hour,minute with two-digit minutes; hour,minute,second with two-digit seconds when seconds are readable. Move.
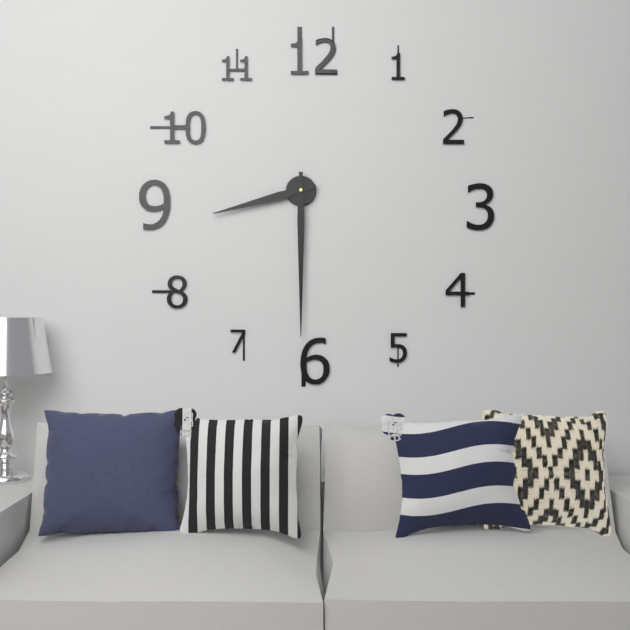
8,30
